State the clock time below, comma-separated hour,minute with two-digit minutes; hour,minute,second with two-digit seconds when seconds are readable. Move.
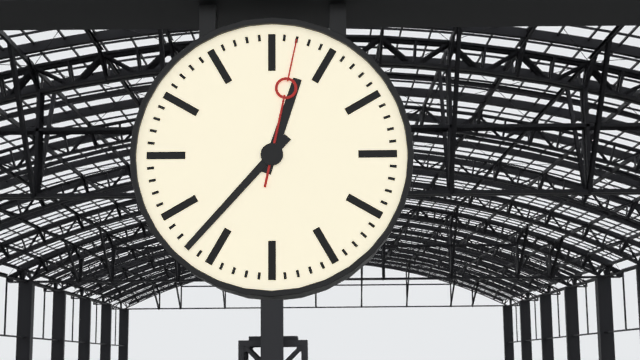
12,37,02
